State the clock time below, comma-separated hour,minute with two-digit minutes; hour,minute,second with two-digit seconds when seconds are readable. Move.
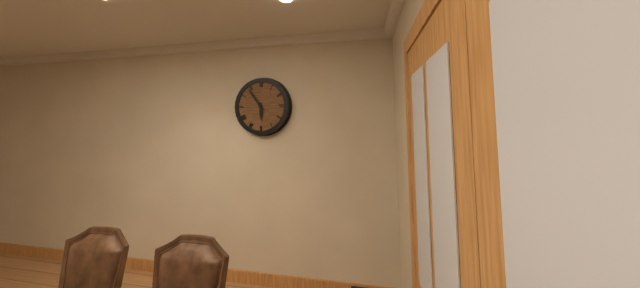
5,54
